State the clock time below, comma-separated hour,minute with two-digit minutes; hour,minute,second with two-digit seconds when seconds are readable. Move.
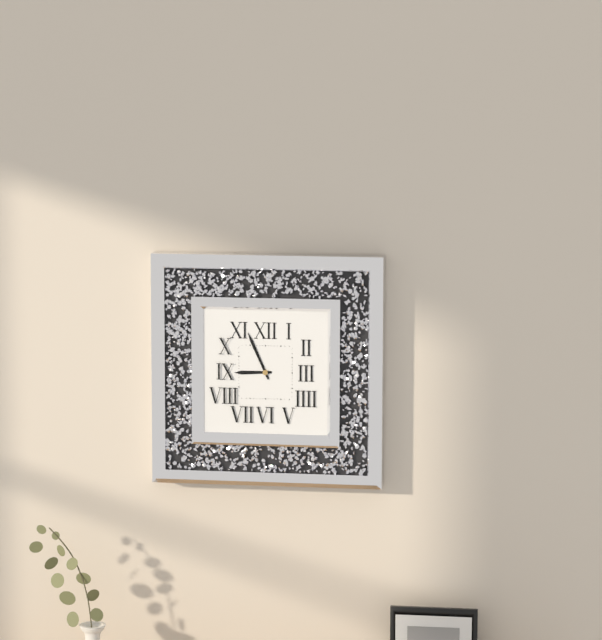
8,56
